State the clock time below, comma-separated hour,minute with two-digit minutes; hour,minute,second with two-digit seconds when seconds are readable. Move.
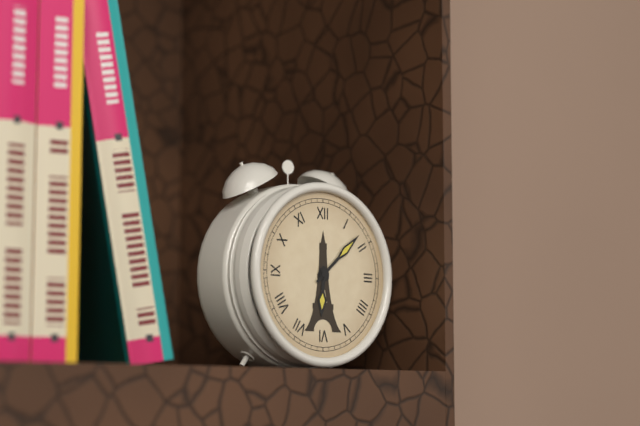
6,08
